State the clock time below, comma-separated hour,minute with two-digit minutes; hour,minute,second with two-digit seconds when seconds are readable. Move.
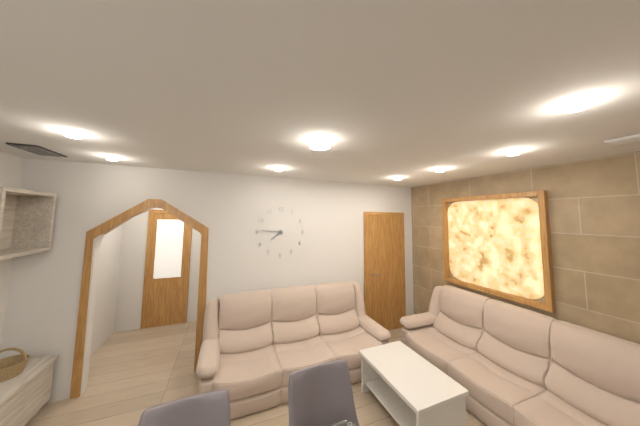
7,46
